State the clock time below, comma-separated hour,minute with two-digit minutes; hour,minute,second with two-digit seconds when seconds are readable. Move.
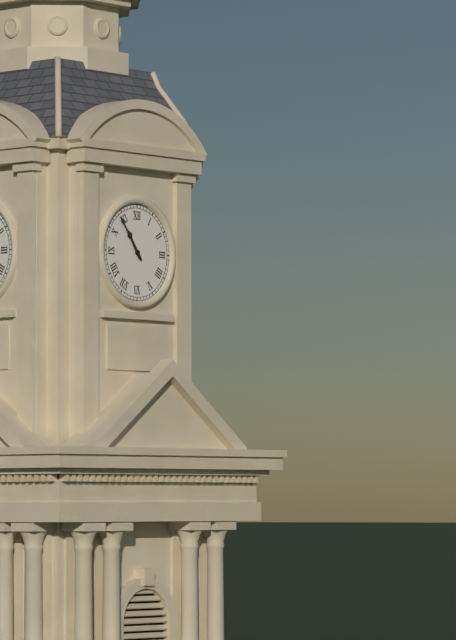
10,54
